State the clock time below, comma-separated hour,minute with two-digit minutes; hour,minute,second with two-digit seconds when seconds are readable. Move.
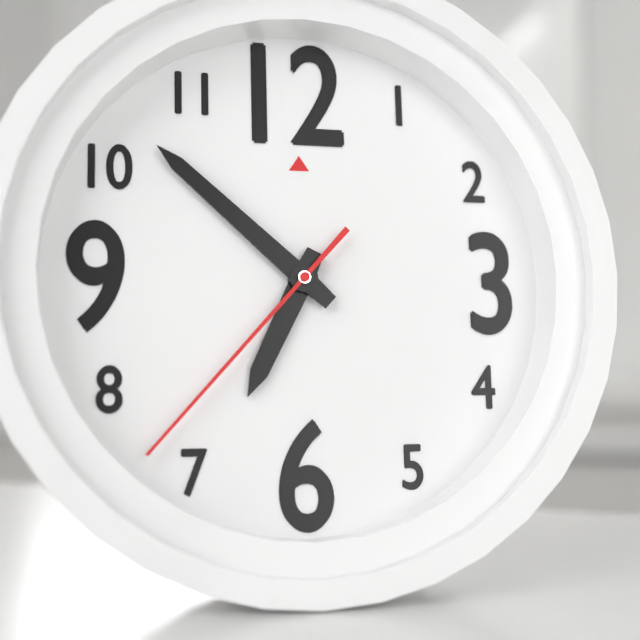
6,52,37
